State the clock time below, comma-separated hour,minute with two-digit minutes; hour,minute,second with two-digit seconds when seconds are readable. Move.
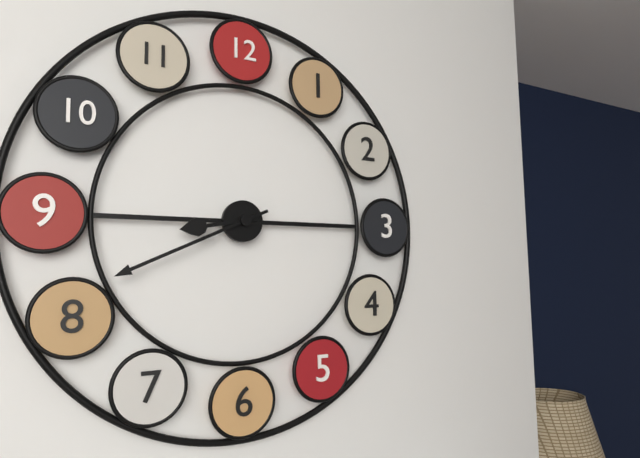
8,41
